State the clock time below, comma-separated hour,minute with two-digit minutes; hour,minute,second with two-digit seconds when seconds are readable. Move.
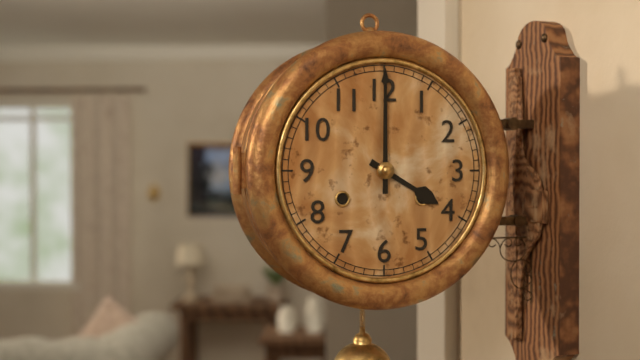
4,00
